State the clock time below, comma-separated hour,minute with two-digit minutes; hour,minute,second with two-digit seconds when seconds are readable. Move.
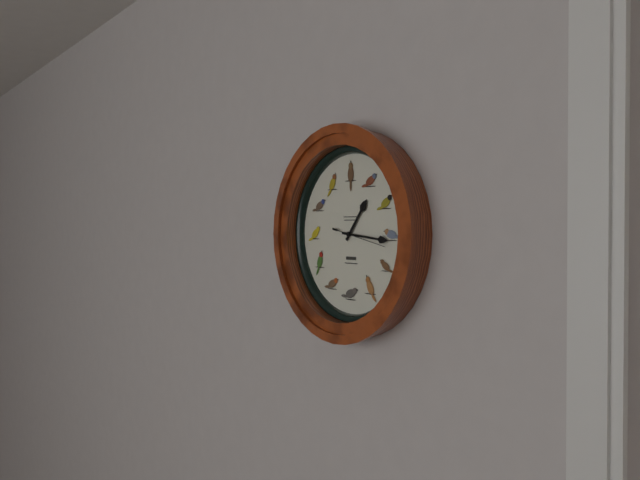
1,16
